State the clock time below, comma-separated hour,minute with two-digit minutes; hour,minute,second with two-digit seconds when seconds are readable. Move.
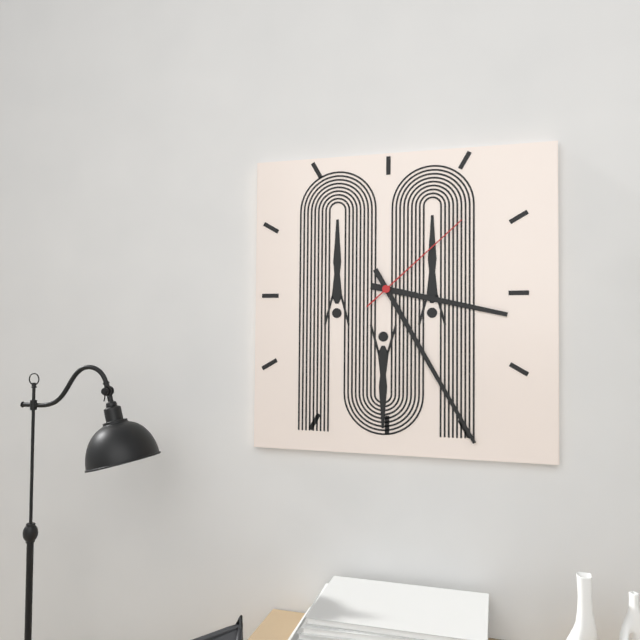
3,25,08
